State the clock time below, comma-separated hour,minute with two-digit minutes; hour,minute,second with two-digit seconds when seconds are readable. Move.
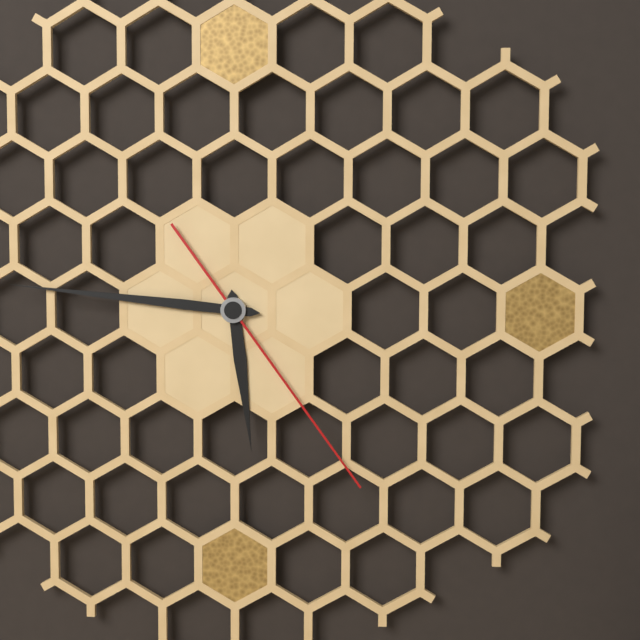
5,46,24
